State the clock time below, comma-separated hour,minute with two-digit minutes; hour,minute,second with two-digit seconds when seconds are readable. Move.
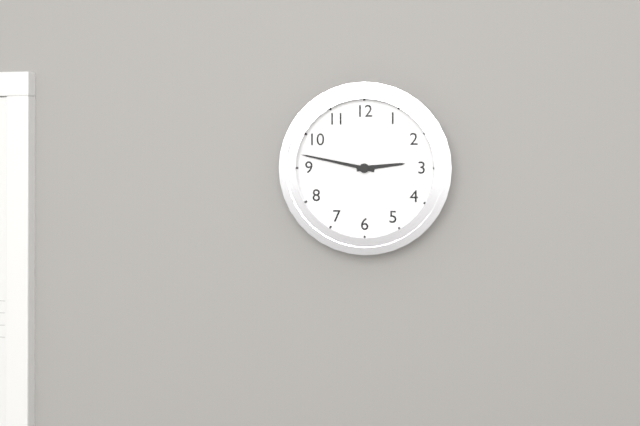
2,47
